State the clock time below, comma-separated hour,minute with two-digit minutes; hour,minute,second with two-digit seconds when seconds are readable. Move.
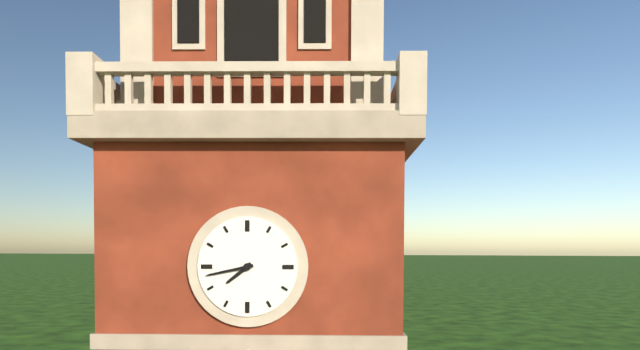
7,43
